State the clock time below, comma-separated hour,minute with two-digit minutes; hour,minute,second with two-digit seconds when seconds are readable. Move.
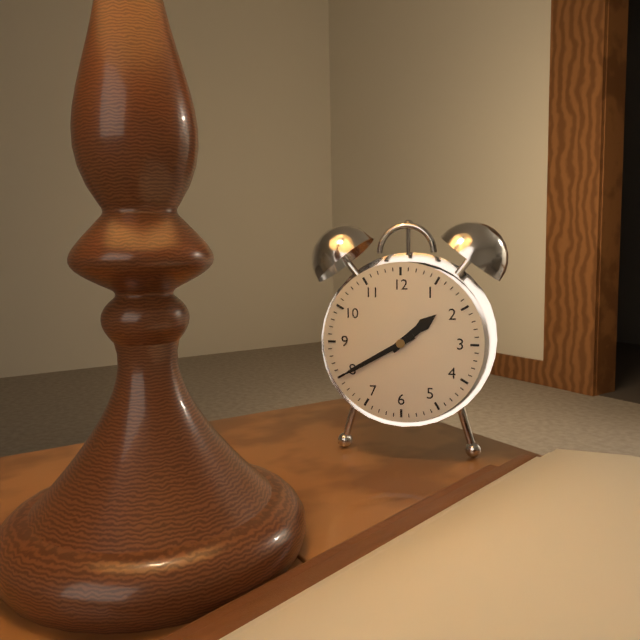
1,40
